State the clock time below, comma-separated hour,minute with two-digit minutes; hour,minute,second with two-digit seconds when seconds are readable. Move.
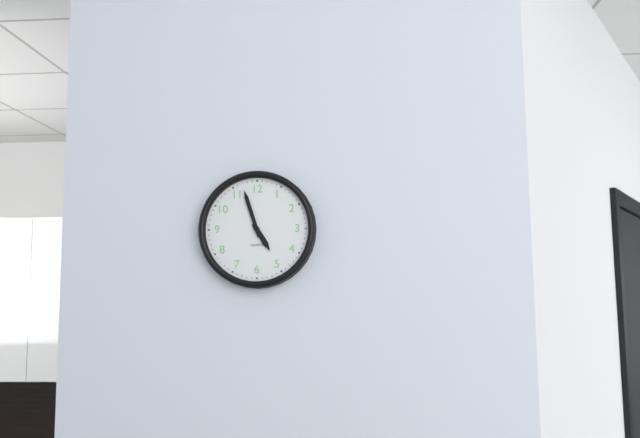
4,57
